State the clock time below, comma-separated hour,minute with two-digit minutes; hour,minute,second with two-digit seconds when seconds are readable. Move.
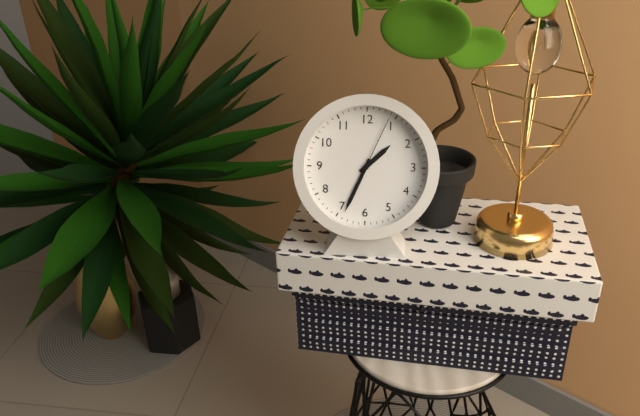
1,34,04
